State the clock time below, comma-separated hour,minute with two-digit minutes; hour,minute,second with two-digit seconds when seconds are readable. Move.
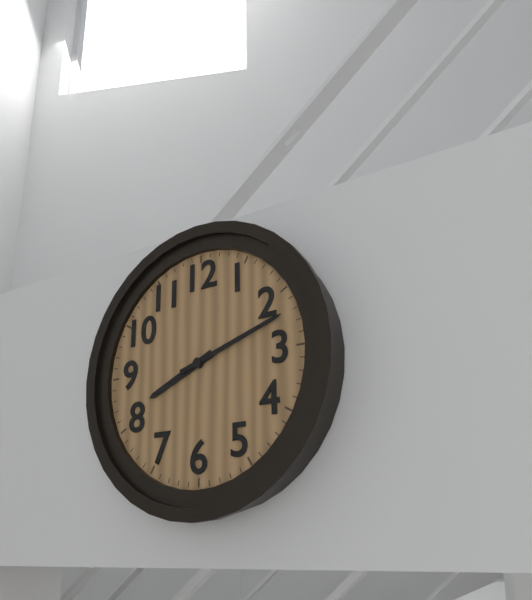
8,12
